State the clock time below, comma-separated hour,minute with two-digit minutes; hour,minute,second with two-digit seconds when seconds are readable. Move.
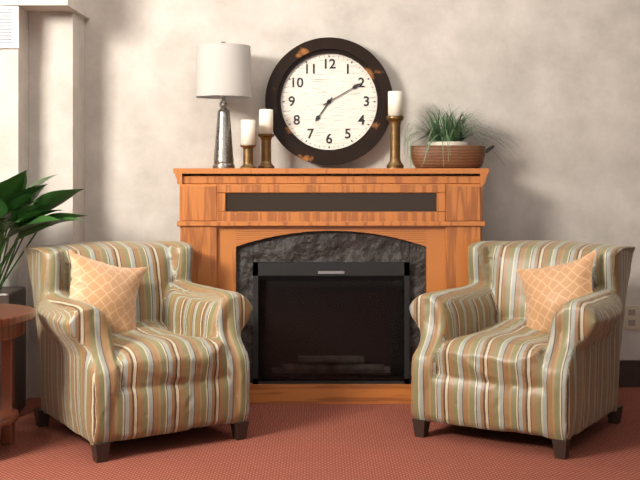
7,10
